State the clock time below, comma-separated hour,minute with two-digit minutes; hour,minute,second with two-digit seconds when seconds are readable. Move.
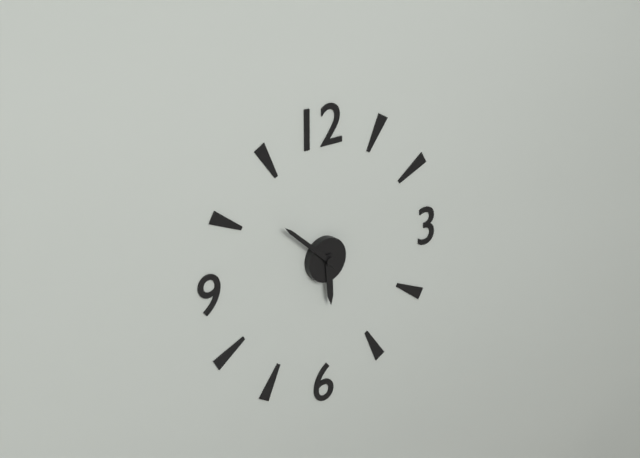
5,52
